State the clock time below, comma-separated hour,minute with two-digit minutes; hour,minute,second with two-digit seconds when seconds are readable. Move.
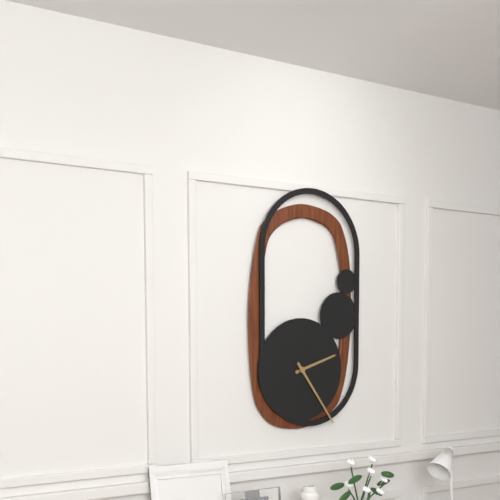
2,24
